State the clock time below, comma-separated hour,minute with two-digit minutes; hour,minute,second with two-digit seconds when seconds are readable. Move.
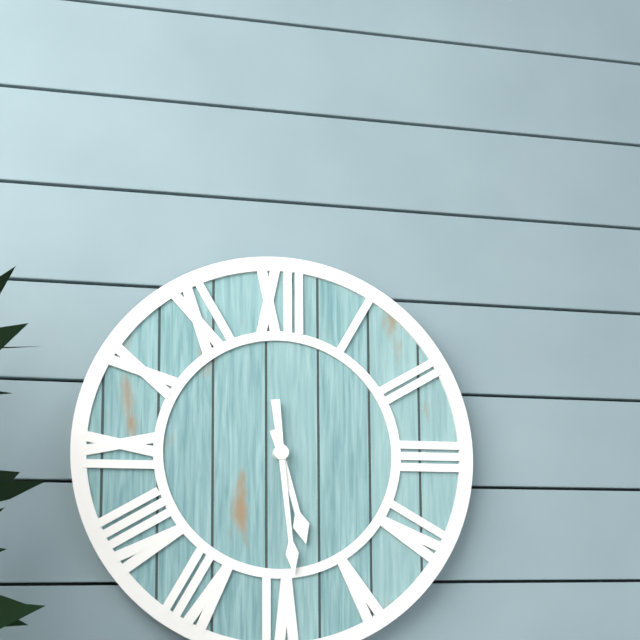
5,29
